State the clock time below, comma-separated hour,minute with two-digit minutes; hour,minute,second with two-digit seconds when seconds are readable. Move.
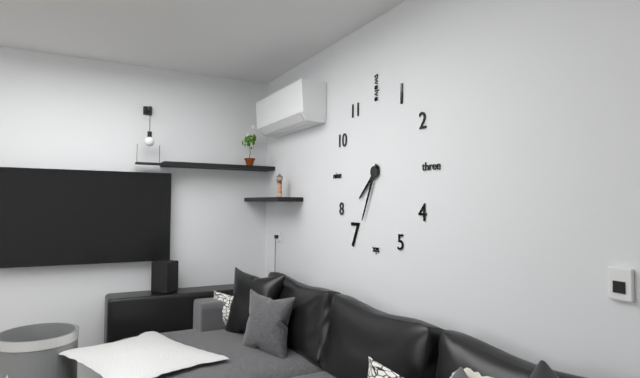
7,34
